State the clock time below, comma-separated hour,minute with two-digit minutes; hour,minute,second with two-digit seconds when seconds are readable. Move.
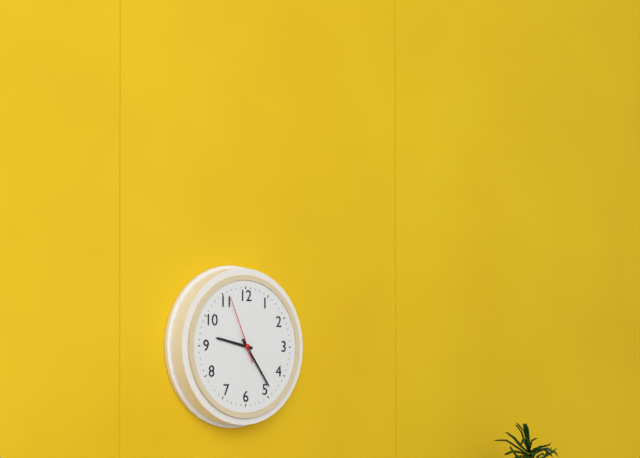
9,24,56
